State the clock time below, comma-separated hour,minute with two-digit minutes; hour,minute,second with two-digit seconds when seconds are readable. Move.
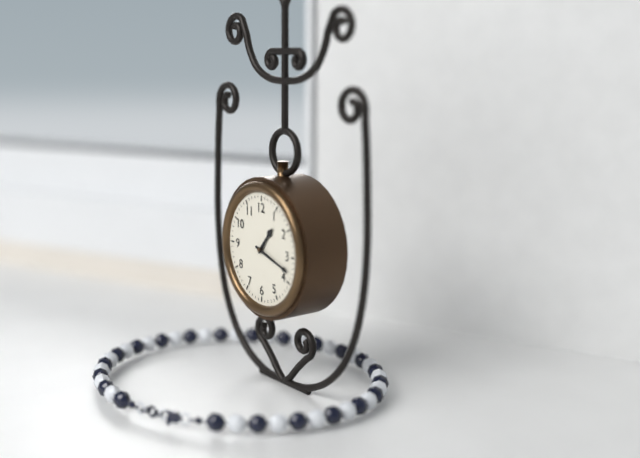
1,18
